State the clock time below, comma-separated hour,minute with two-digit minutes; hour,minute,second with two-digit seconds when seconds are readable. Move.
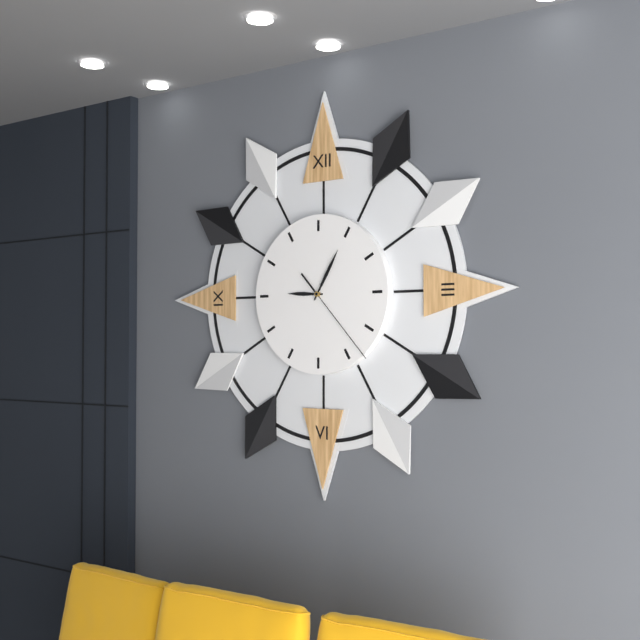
9,05,23
